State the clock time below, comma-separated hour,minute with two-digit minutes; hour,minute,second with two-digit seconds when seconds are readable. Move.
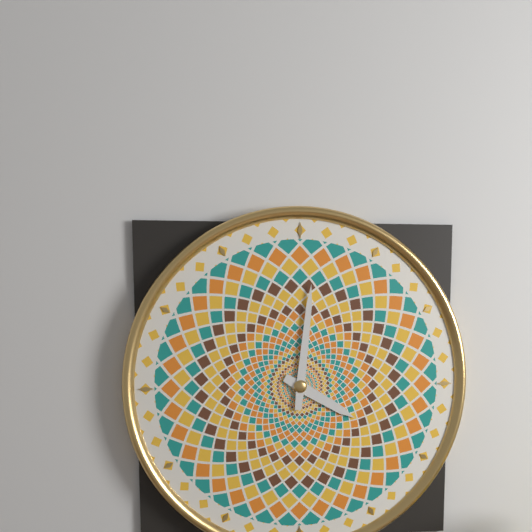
4,01
